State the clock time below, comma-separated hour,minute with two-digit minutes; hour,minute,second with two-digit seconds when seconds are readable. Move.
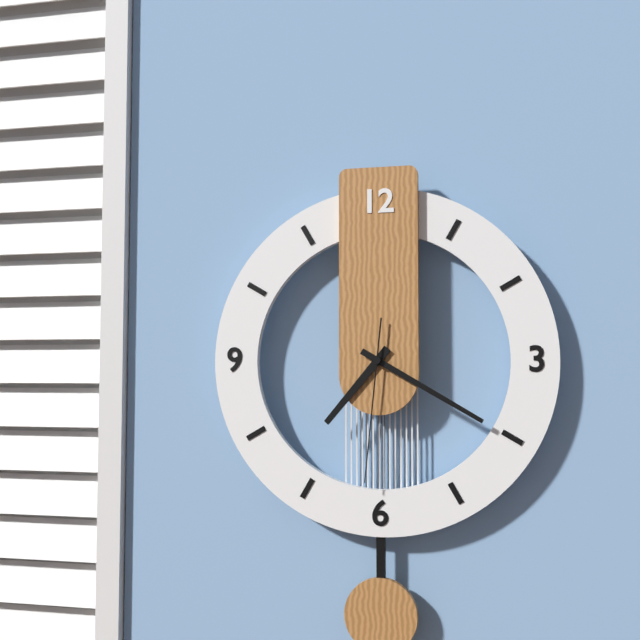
7,20,31
